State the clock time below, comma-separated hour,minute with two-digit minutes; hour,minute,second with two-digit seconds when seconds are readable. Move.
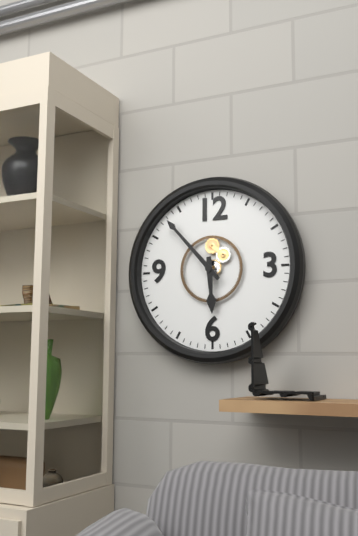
5,53
